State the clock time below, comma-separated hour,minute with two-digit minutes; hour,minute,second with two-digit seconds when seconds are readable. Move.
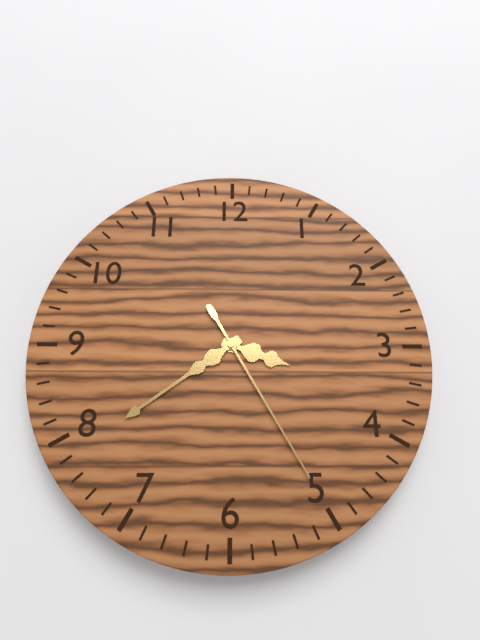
3,39,25
